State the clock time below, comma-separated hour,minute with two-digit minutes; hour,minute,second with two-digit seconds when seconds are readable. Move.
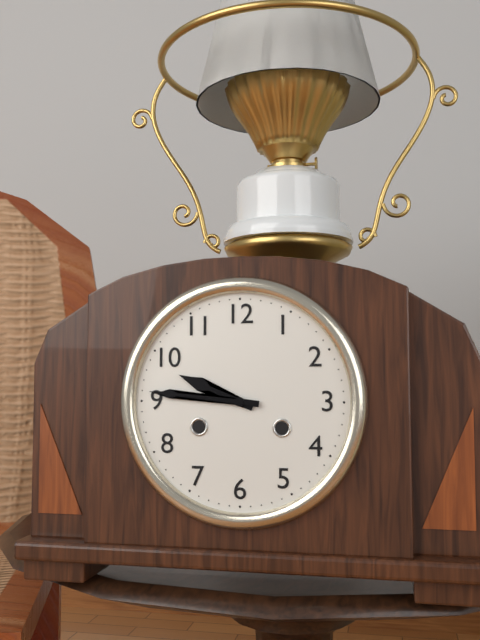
9,46
